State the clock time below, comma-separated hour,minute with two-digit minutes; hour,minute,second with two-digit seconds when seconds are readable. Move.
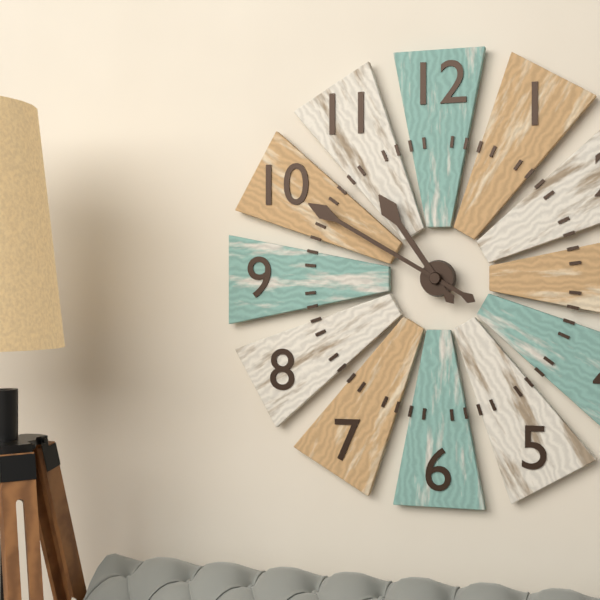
10,50
